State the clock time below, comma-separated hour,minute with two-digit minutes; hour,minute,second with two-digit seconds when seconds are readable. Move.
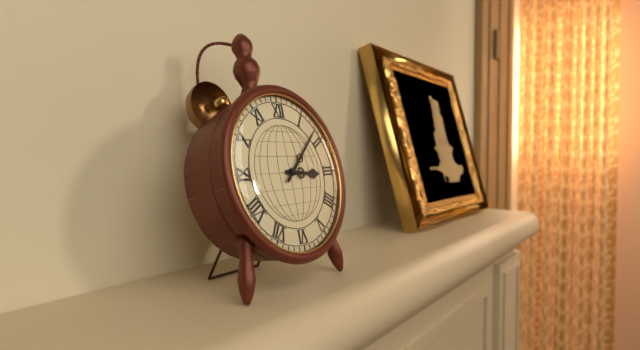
3,08
